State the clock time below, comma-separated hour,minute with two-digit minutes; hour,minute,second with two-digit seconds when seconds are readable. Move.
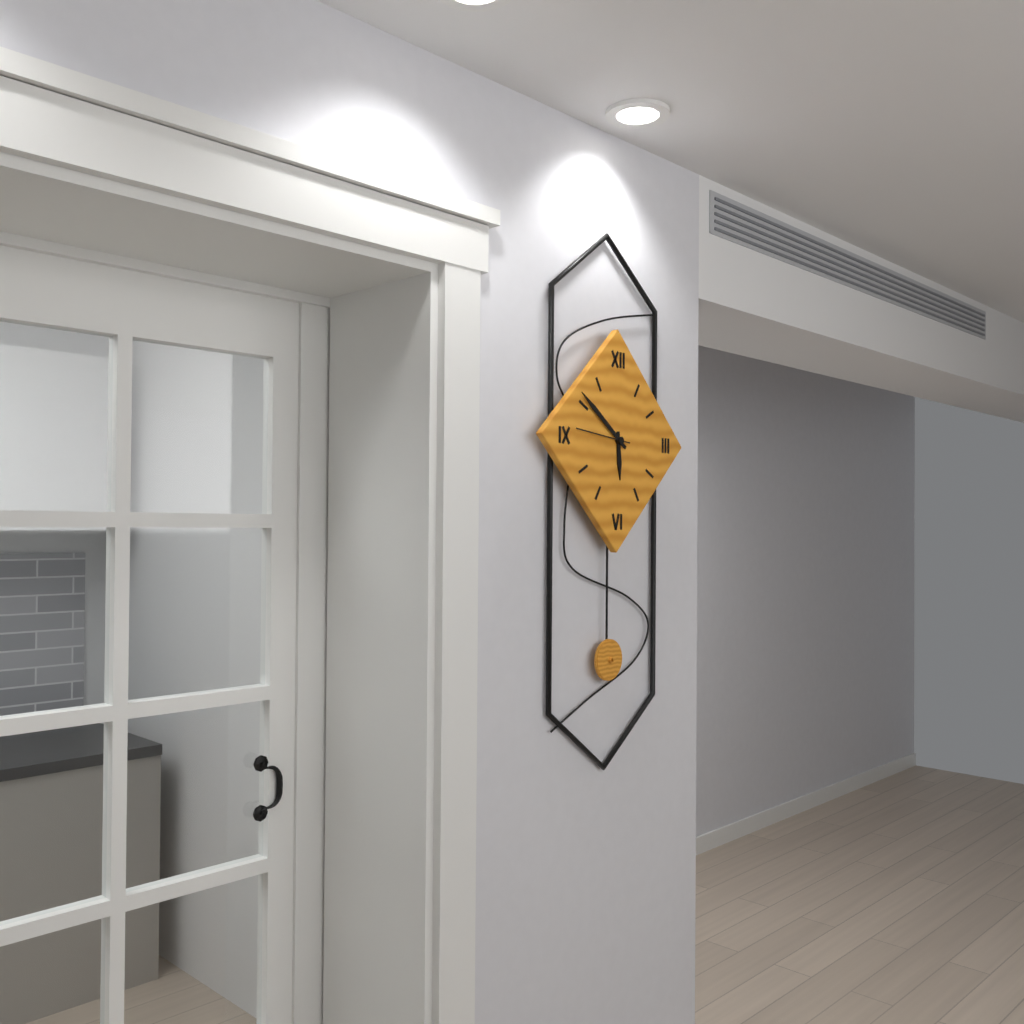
5,51
